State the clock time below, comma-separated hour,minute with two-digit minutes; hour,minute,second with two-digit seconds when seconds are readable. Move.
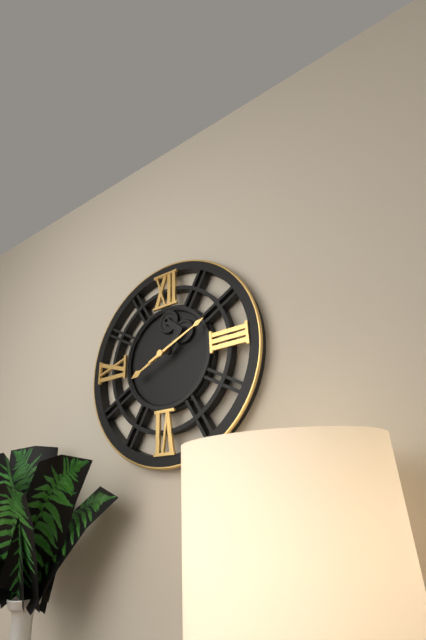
8,11
